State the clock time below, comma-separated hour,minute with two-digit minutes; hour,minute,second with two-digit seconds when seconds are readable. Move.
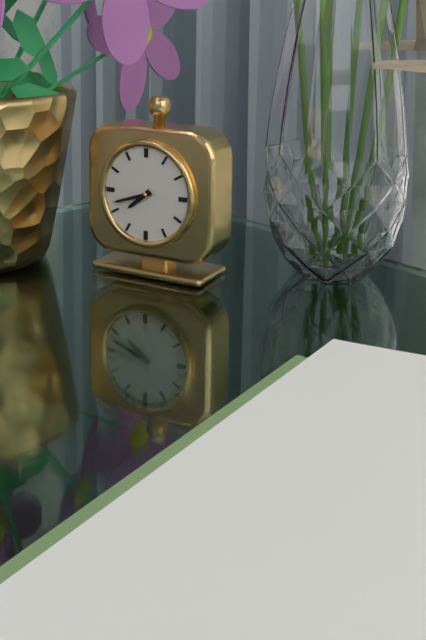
7,42
